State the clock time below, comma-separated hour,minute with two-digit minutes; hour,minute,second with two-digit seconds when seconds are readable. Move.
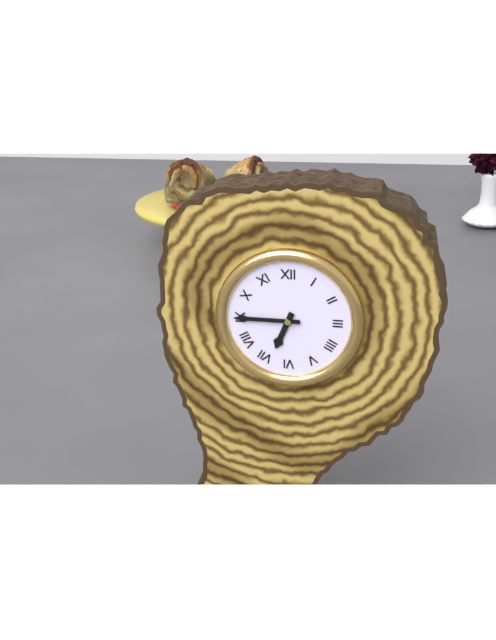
6,45
